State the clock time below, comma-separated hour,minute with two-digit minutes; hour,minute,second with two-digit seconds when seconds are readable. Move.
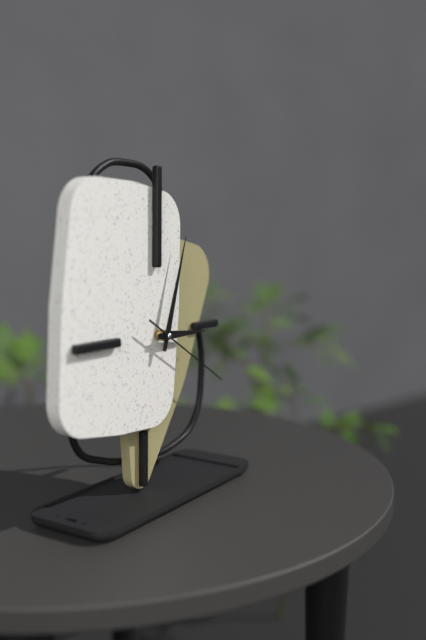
3,03,20
